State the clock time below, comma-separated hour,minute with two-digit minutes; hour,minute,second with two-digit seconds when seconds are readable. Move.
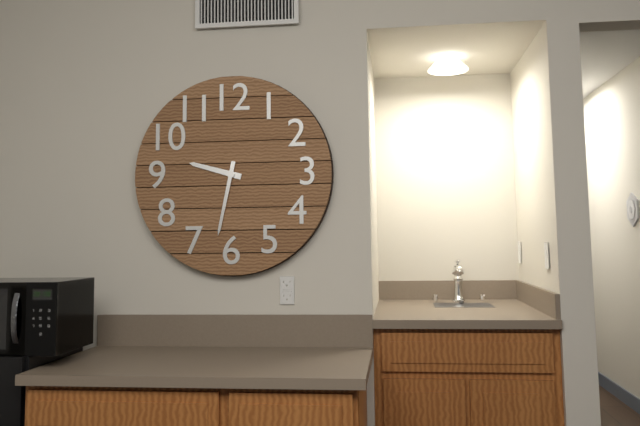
9,32
